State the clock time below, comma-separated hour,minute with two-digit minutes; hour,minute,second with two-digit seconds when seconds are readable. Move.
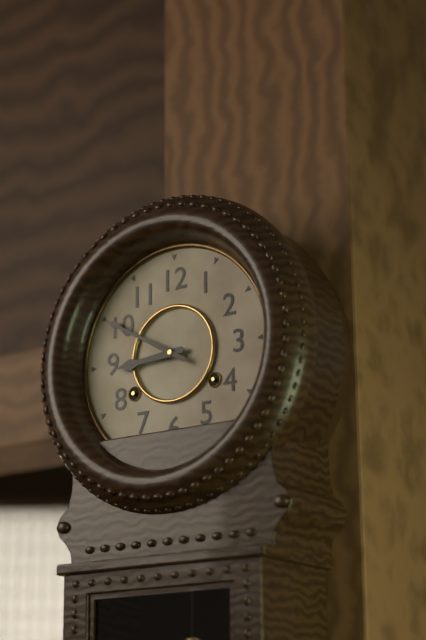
8,50
